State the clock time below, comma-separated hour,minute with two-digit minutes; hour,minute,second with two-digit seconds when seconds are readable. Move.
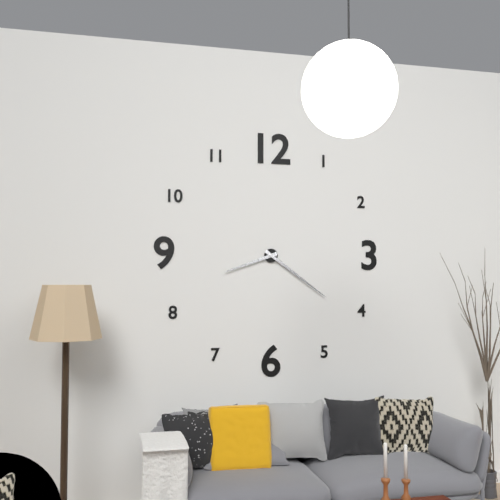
8,21
